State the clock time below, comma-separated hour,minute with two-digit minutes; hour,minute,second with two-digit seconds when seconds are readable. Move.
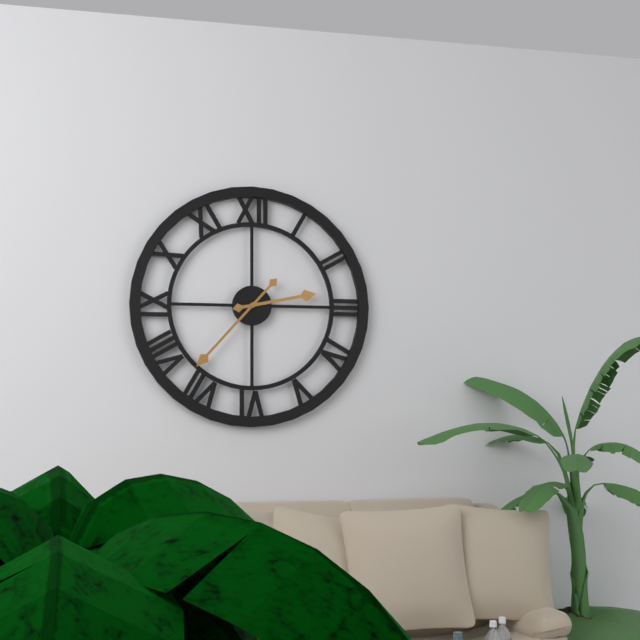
2,37
